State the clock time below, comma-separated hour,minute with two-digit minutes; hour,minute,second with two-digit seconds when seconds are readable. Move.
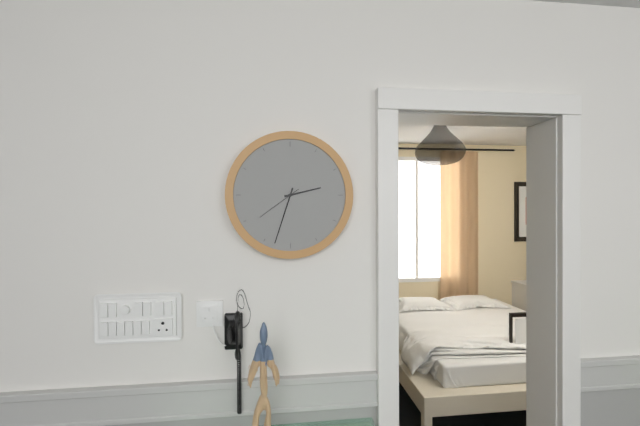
2,33
